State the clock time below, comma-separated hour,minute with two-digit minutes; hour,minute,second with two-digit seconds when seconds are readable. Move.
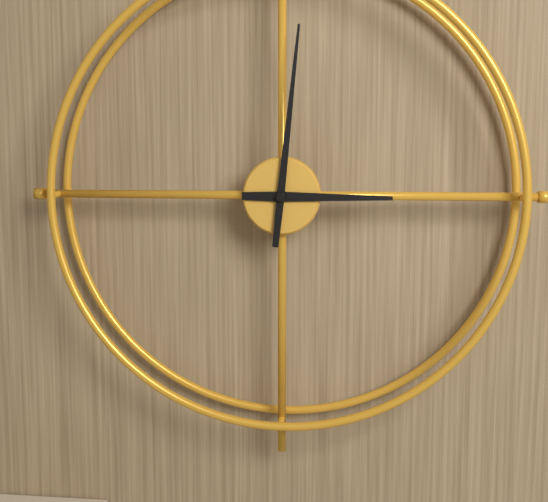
3,01
